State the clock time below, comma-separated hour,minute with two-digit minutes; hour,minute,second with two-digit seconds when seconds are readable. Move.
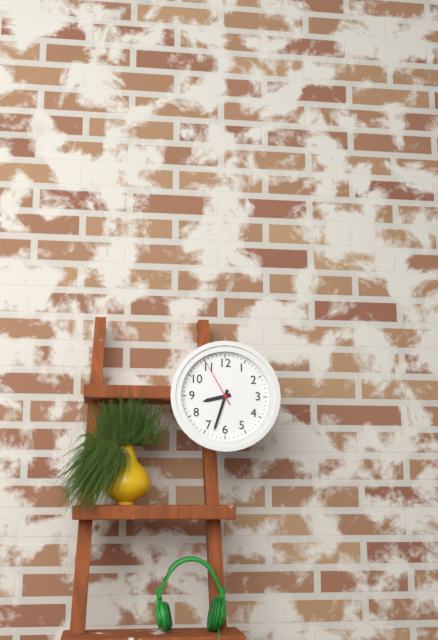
8,33
